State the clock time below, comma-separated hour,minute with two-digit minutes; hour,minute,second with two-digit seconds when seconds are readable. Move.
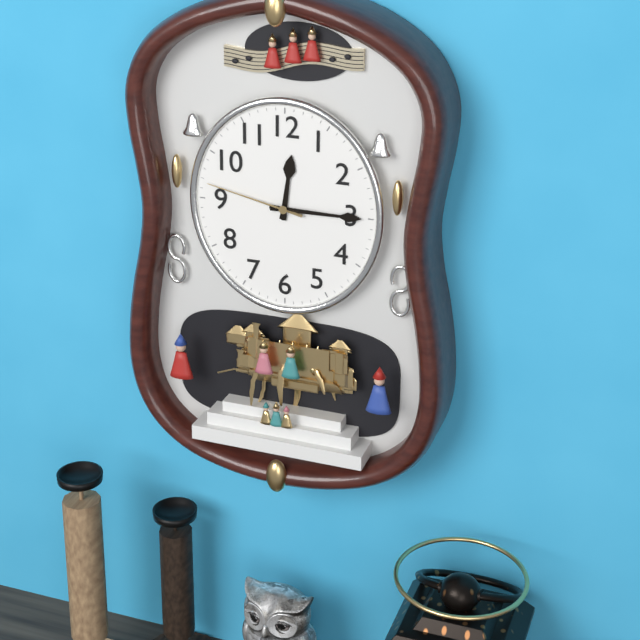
12,15,47
